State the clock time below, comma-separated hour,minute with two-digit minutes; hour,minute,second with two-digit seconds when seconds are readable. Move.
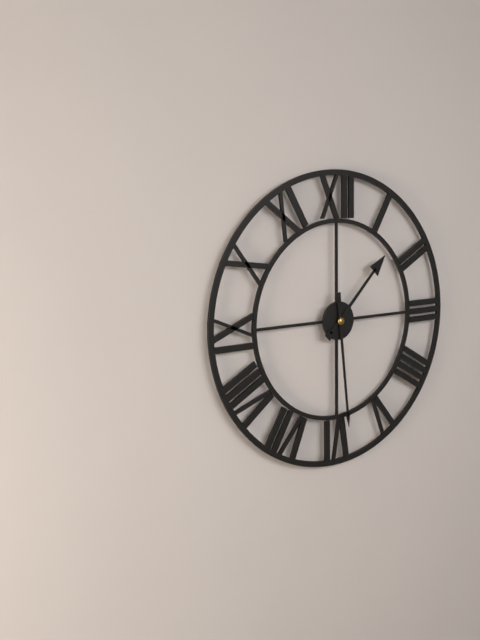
1,29
